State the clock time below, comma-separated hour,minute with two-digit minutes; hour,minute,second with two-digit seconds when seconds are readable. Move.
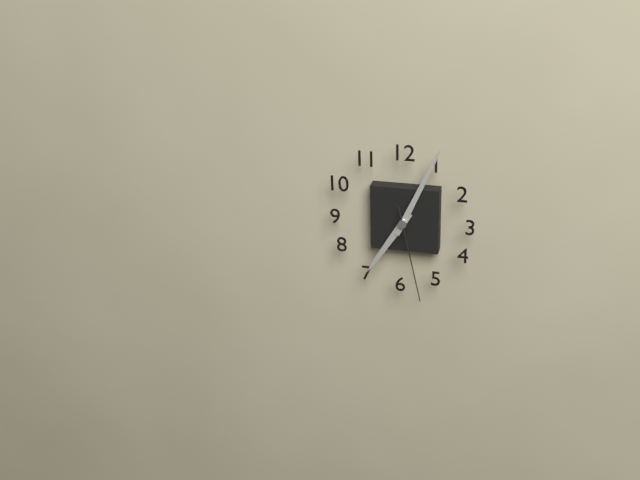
7,04,28
